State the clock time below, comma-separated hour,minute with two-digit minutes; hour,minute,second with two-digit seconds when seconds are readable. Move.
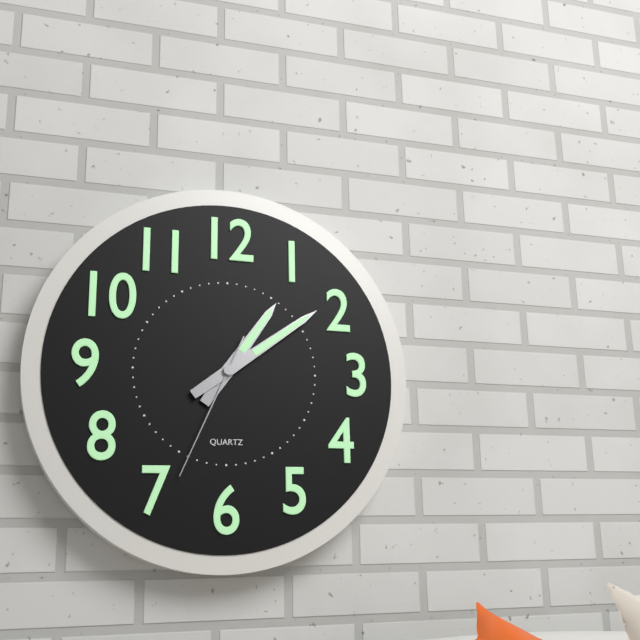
1,09,34
